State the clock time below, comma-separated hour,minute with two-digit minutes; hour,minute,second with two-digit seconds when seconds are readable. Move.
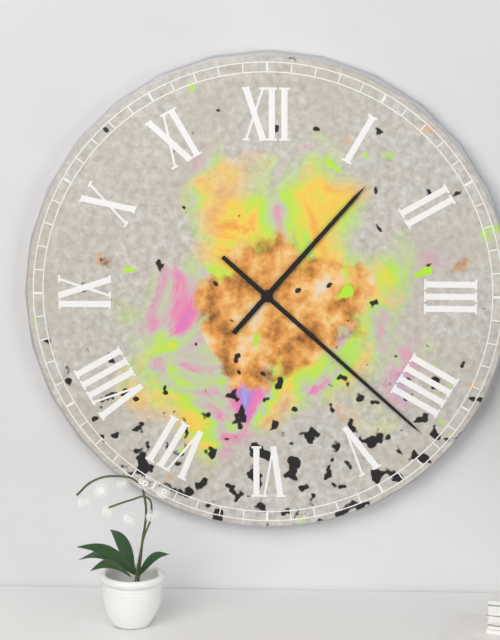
1,22
